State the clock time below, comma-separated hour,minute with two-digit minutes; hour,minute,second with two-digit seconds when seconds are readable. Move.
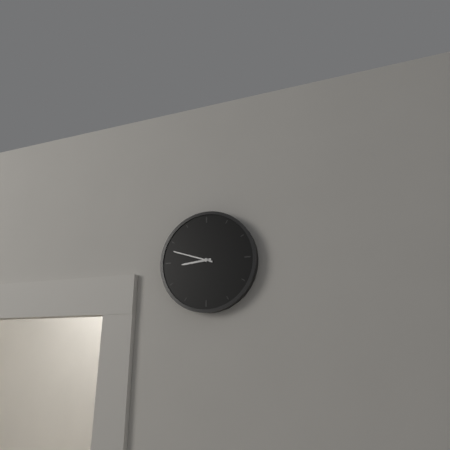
8,48
